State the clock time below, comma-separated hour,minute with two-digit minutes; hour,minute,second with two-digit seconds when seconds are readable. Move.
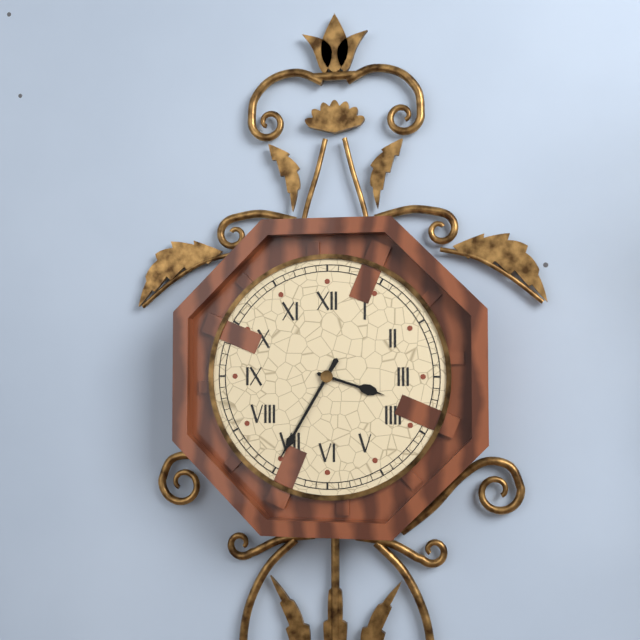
3,35
